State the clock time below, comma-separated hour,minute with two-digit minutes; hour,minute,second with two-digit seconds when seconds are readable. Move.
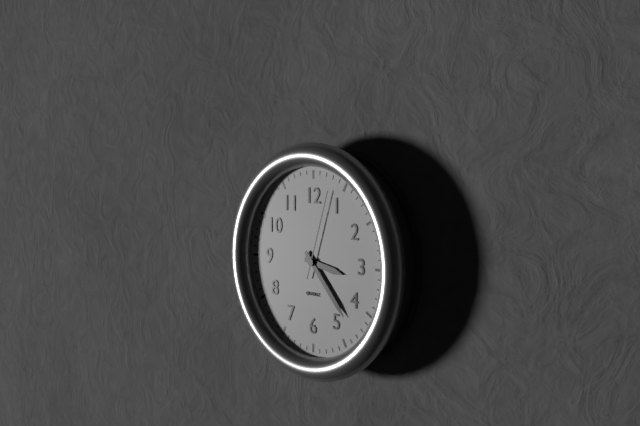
3,23,03
